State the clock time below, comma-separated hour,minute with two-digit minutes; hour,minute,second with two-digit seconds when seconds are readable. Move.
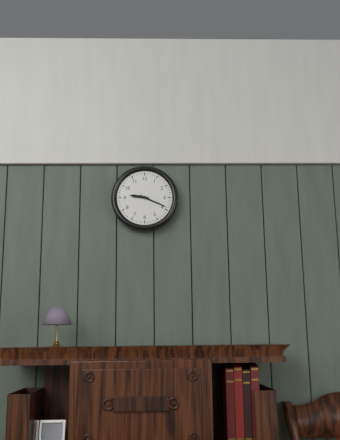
9,19
